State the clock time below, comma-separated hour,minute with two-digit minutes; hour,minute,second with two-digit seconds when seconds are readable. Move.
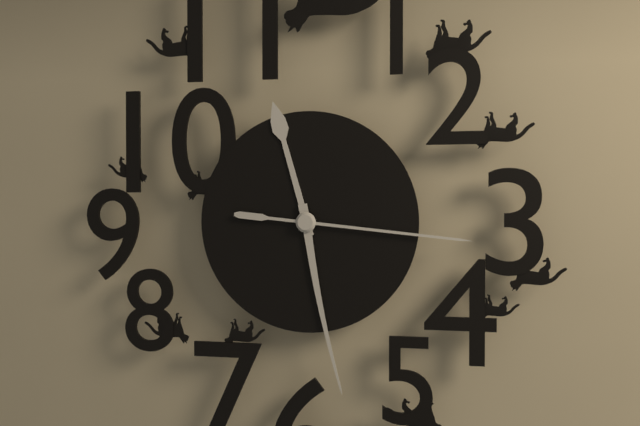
11,28,16
